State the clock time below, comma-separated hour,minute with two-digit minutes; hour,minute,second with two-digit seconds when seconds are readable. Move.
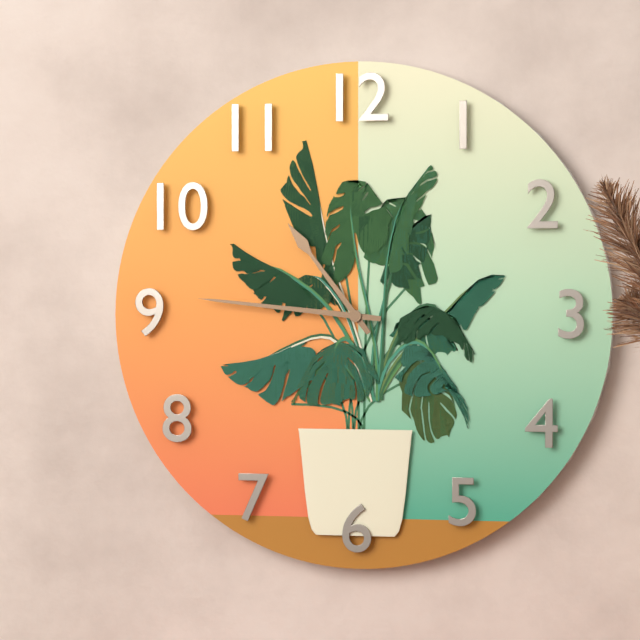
10,46
